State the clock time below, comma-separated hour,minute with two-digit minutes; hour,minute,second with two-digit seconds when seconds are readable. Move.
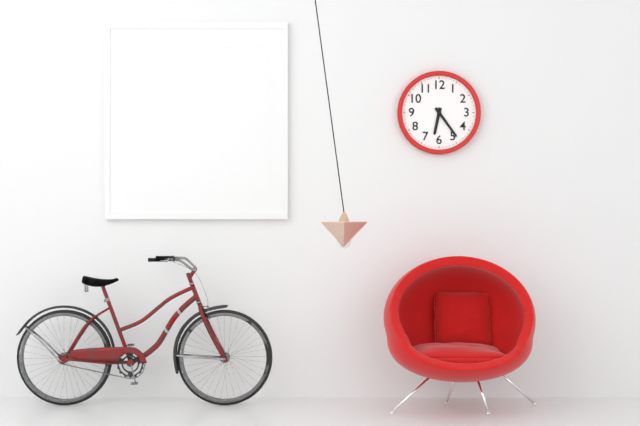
6,24
